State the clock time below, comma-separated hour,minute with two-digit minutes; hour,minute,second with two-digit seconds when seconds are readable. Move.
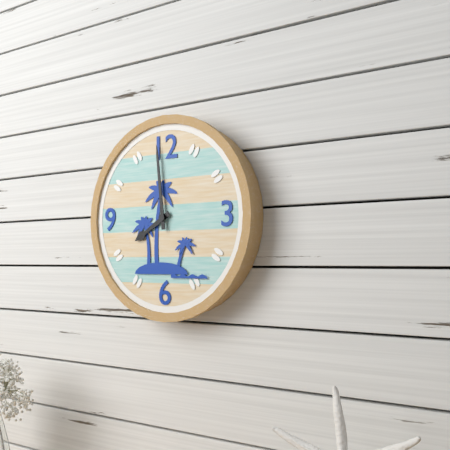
7,59
